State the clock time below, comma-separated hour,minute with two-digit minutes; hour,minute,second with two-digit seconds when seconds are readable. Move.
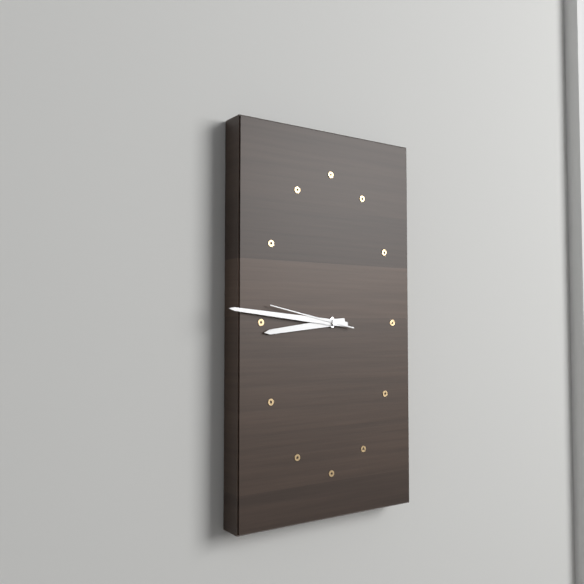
8,46,47
